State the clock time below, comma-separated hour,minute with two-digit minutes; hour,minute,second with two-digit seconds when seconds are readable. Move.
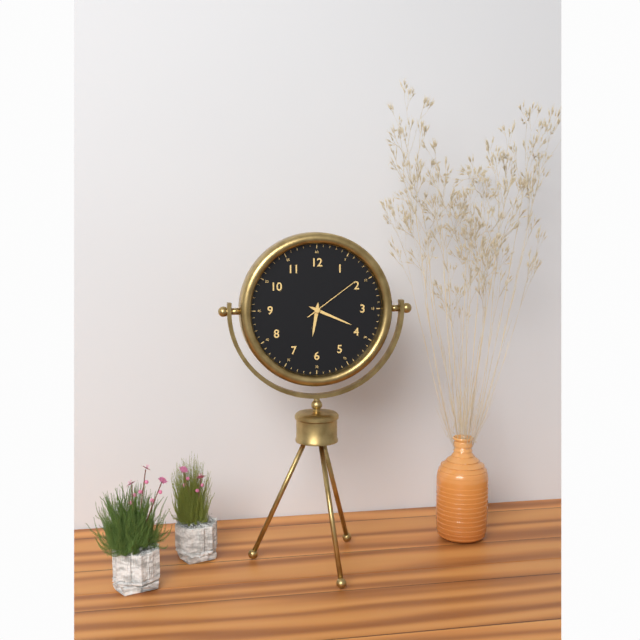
6,19,09
